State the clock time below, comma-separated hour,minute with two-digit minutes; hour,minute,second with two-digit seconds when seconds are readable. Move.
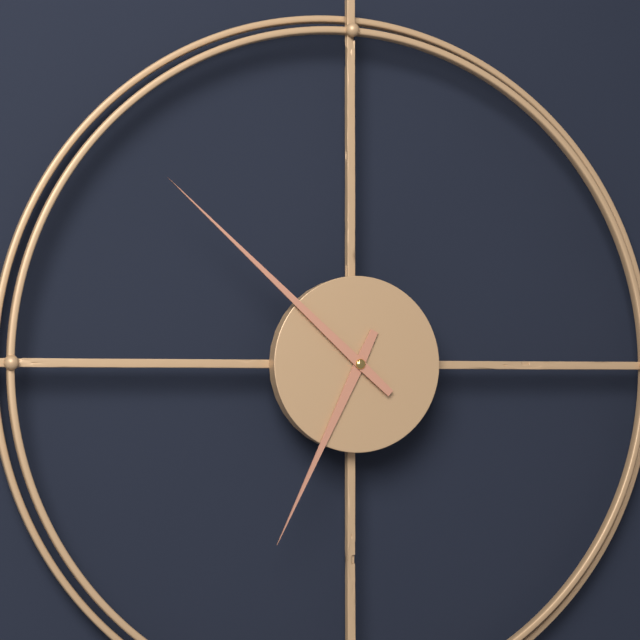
6,52
